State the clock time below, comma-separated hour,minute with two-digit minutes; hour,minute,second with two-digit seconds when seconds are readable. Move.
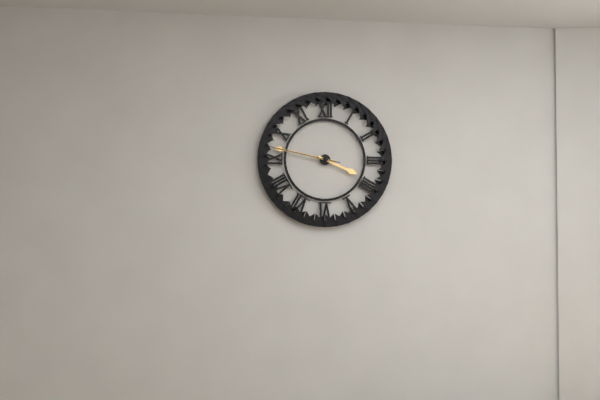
3,47,47
